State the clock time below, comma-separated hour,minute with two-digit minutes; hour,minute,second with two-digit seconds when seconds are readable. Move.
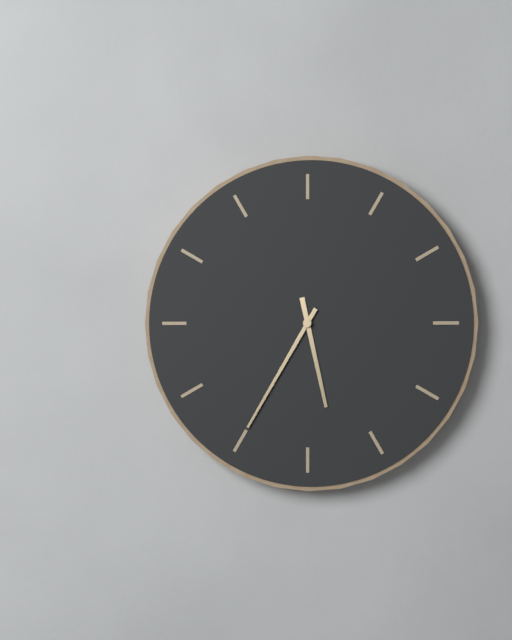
5,35
